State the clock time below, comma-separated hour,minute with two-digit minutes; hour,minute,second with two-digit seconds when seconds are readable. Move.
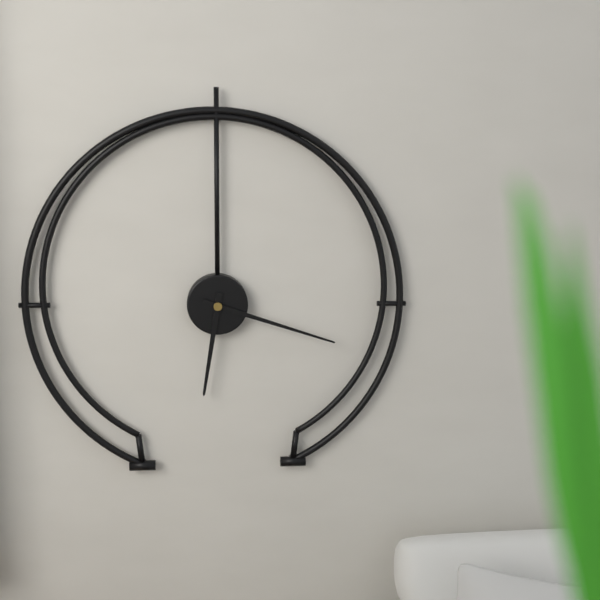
6,18
